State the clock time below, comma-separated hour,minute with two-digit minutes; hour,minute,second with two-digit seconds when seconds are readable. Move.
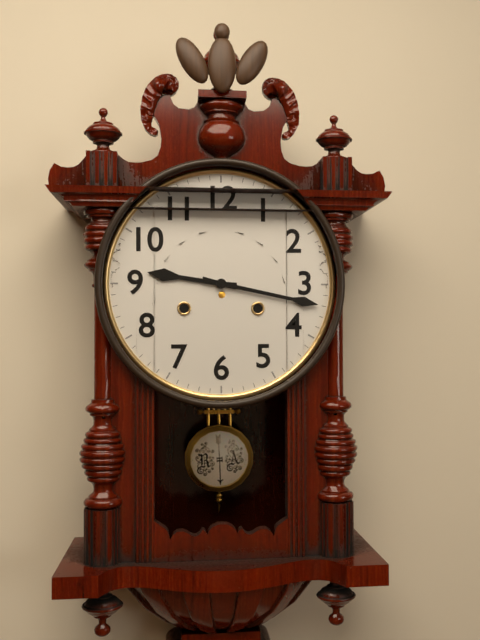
9,17
